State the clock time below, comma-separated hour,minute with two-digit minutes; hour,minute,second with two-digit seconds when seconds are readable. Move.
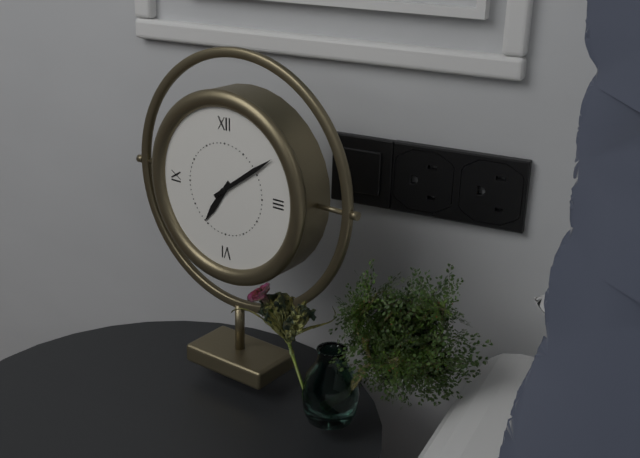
7,09
